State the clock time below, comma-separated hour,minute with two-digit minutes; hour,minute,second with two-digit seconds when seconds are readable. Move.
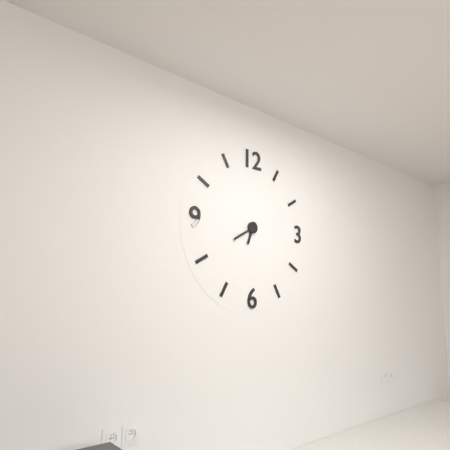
6,40
